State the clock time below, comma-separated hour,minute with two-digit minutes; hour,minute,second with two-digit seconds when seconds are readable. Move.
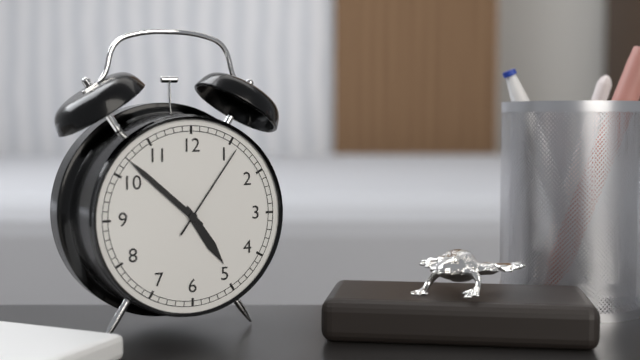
4,52,06
